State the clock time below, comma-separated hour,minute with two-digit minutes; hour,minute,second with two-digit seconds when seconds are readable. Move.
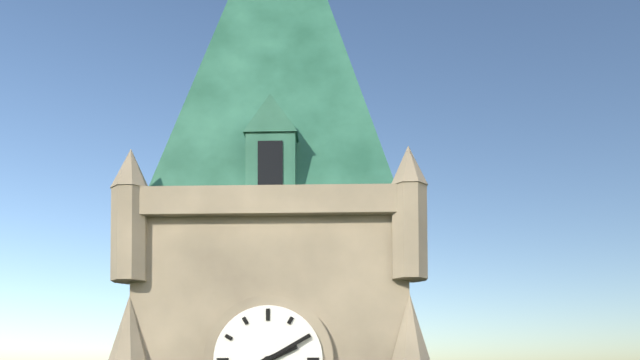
2,10
